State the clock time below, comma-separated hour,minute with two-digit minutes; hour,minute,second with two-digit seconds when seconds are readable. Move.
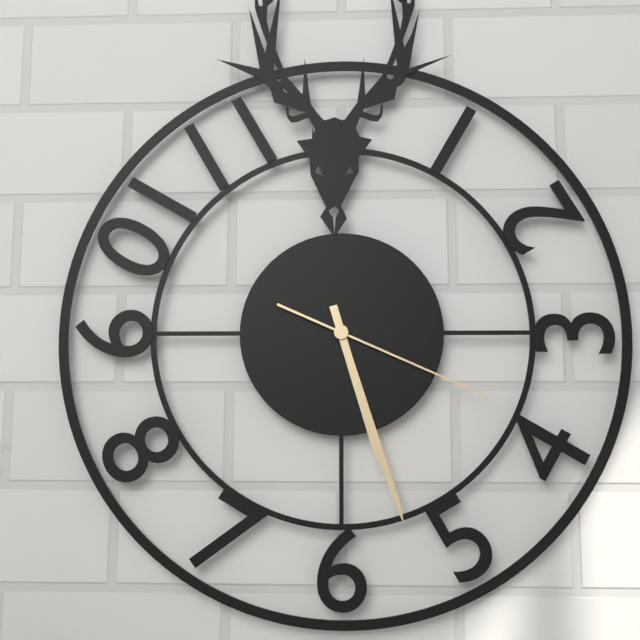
5,27,19
